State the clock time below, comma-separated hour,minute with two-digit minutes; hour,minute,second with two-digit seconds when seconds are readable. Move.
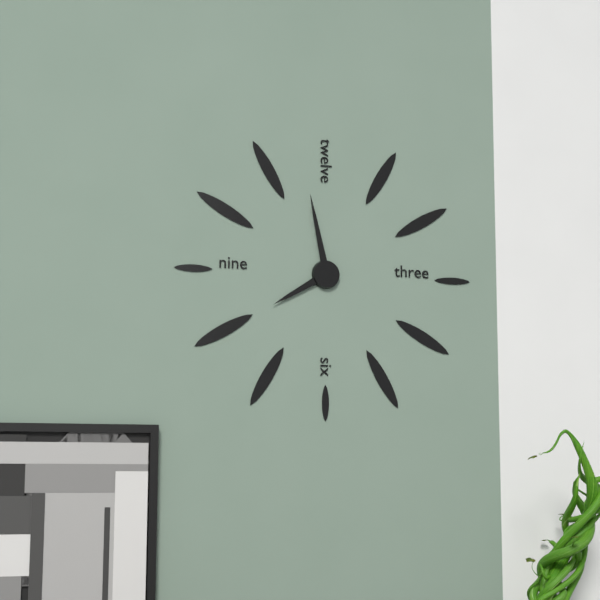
7,58
